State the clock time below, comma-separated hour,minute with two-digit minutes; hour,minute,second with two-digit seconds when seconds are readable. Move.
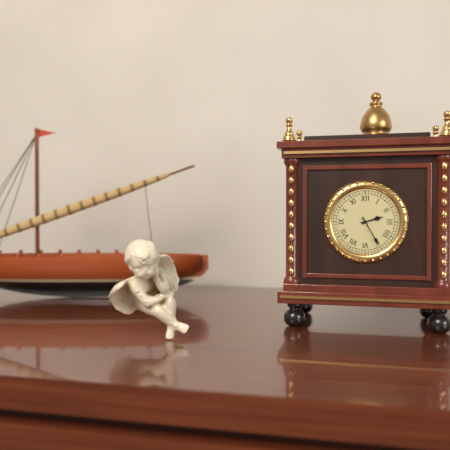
2,25
